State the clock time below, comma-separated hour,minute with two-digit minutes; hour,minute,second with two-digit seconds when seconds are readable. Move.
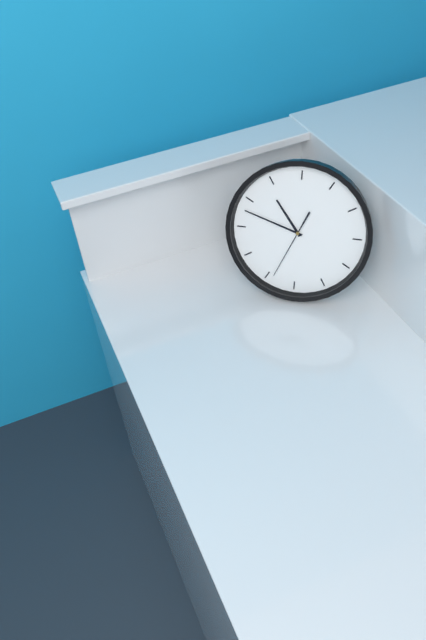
10,48,34
